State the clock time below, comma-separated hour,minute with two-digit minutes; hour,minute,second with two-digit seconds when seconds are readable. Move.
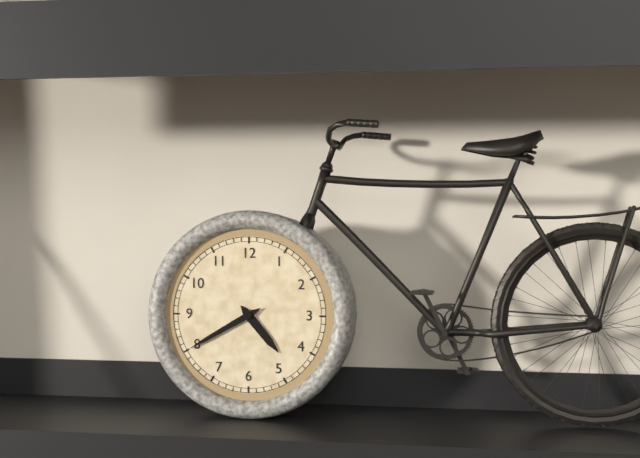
4,40
